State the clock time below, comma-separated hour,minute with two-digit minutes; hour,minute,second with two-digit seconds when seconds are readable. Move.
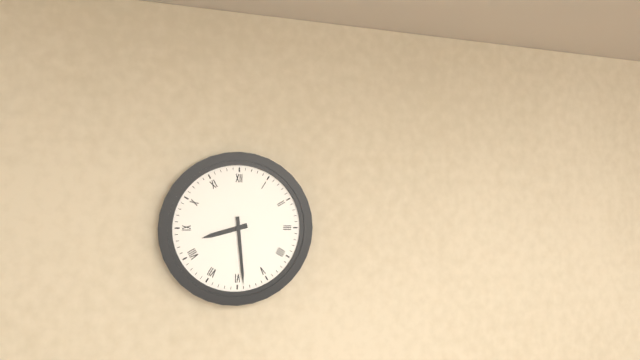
8,29
